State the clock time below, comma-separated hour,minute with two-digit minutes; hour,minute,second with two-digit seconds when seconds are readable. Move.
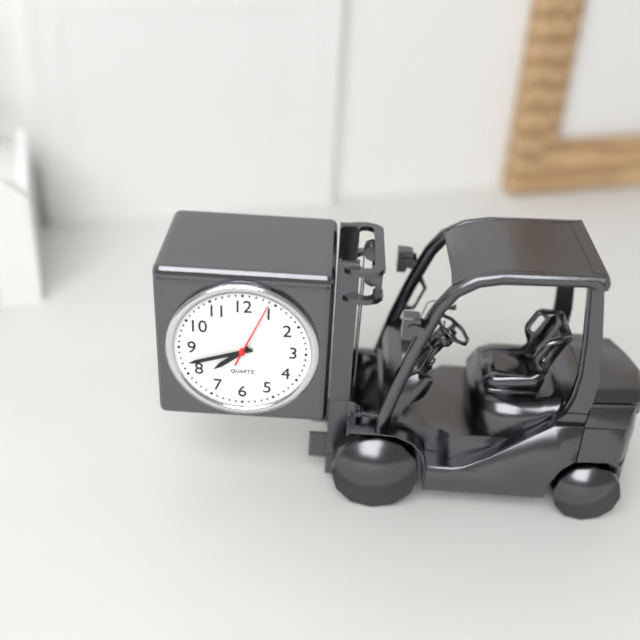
7,42,04
